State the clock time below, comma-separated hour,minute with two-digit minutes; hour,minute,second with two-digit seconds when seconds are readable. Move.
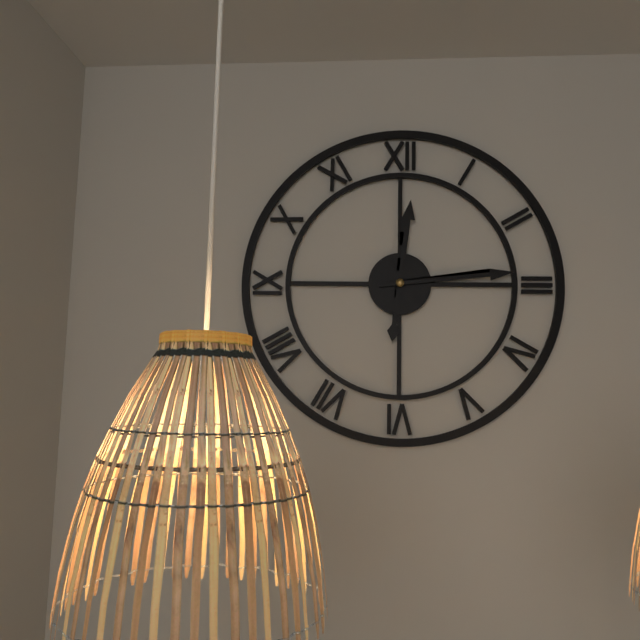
12,14
